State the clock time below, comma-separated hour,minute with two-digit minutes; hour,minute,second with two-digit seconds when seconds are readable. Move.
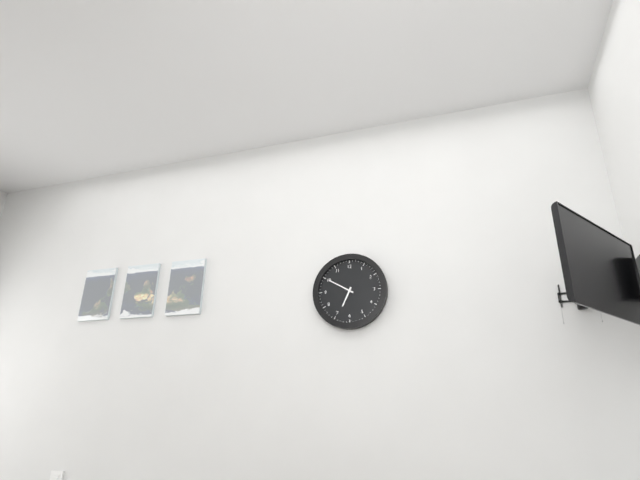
6,50
